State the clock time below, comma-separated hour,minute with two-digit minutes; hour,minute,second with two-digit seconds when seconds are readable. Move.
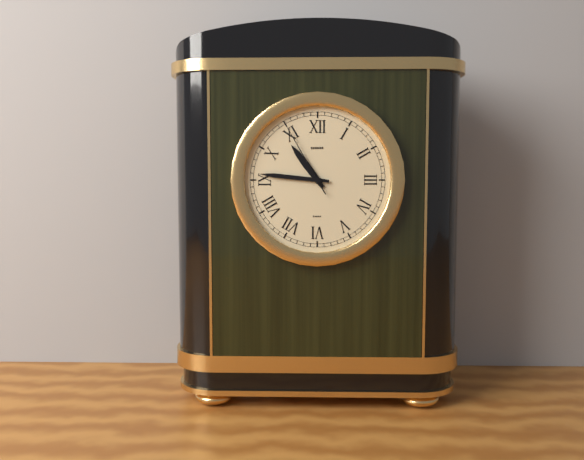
10,46,55
